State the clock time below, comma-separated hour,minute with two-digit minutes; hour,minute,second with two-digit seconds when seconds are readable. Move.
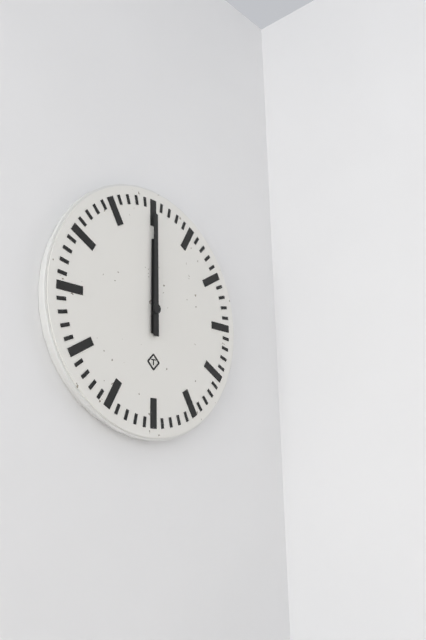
12,00
